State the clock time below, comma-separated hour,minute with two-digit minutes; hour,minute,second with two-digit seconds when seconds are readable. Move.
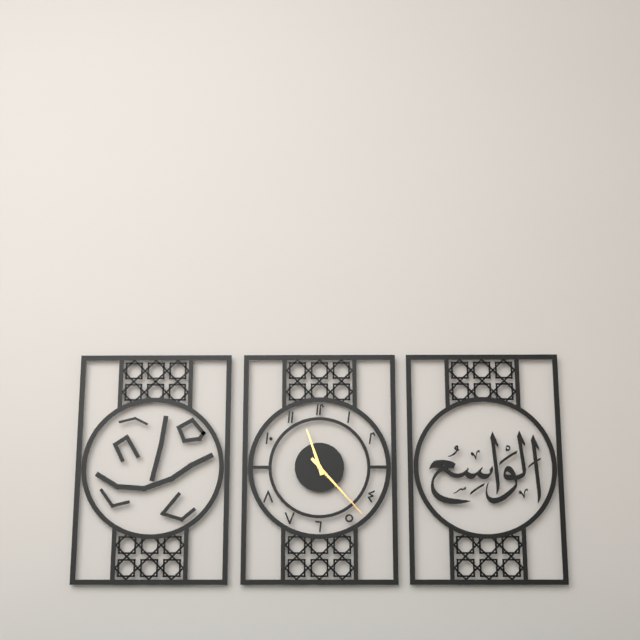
11,23
